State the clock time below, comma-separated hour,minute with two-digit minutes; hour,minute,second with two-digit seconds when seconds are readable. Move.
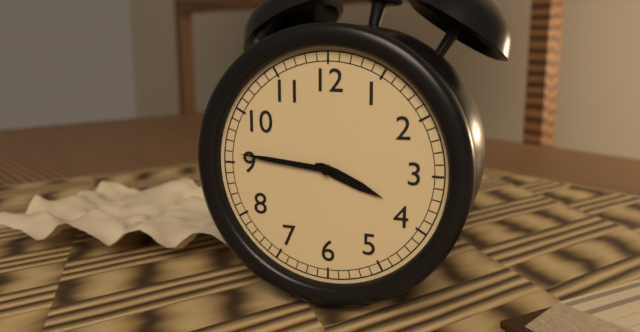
3,46
